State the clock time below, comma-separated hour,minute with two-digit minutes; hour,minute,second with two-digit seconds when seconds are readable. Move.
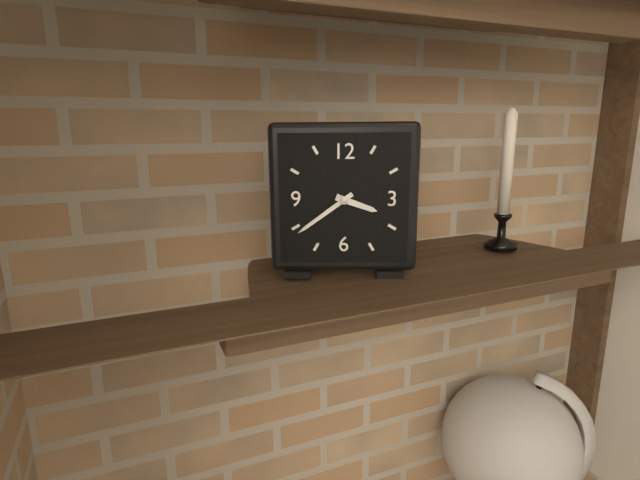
3,39
